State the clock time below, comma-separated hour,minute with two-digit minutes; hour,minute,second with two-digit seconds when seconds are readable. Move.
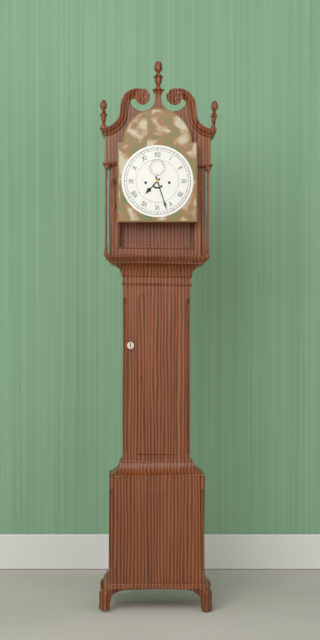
7,27
